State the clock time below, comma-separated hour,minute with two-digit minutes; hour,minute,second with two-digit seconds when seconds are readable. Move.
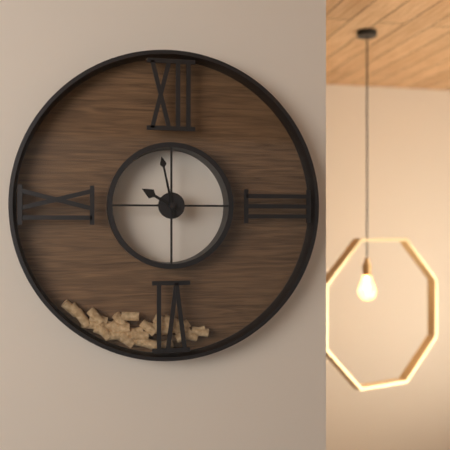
9,58
